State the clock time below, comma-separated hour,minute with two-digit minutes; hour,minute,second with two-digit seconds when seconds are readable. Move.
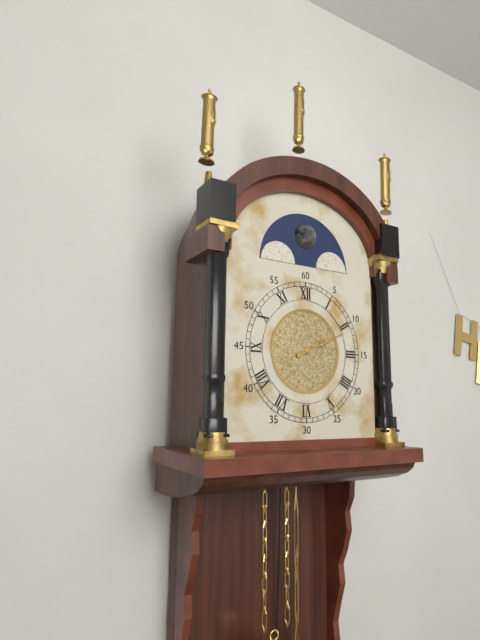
2,11
